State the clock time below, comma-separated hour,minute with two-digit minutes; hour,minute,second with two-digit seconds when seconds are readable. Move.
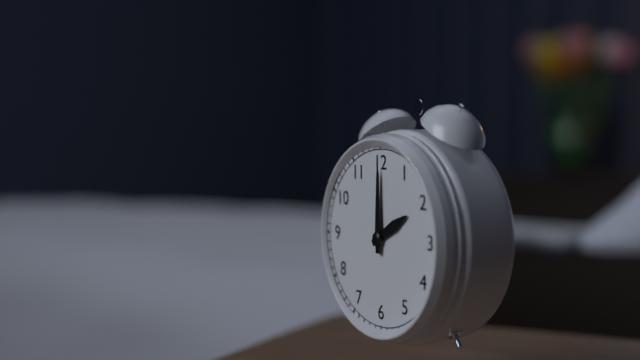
2,00
